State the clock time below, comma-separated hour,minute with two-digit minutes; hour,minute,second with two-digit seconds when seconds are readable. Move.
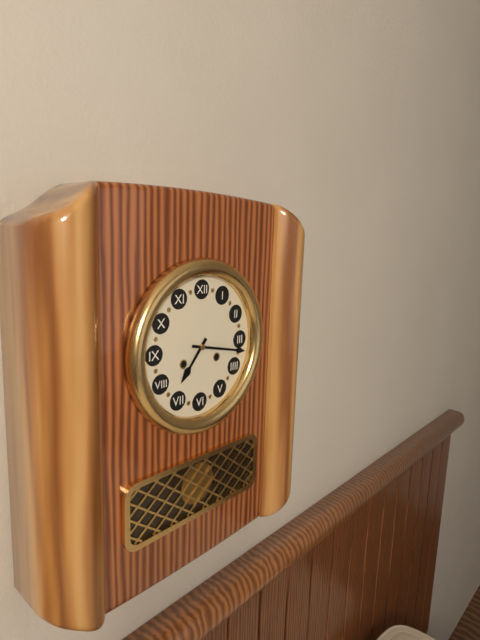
7,17
